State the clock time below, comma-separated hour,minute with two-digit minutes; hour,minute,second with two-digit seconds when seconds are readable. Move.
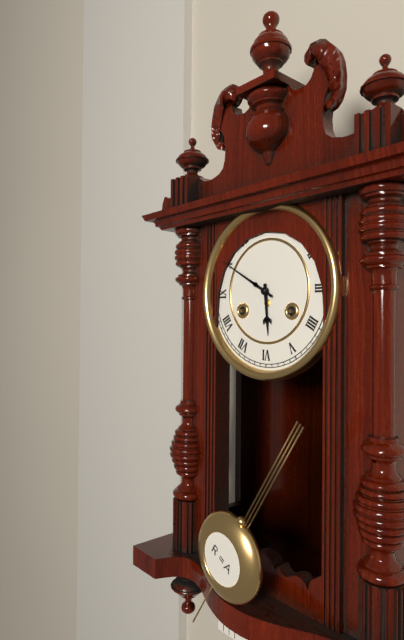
5,50
